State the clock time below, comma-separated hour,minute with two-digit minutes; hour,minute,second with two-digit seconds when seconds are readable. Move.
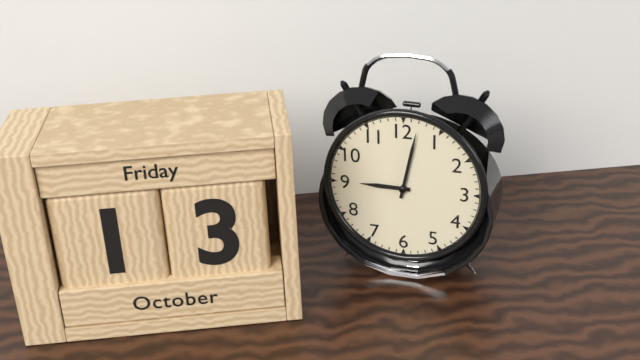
9,02
